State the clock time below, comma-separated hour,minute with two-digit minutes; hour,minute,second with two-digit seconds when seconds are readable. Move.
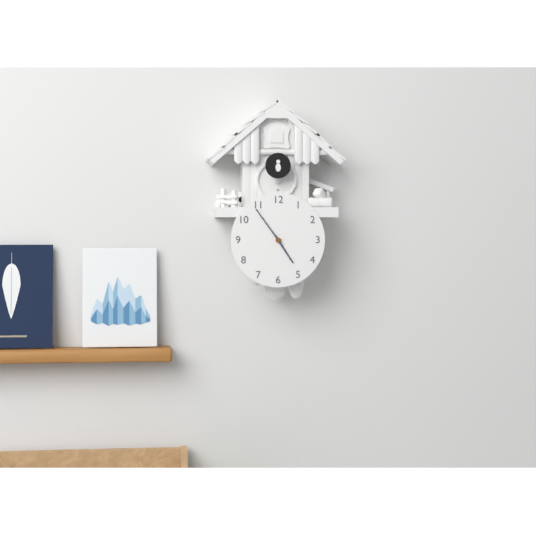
4,54
